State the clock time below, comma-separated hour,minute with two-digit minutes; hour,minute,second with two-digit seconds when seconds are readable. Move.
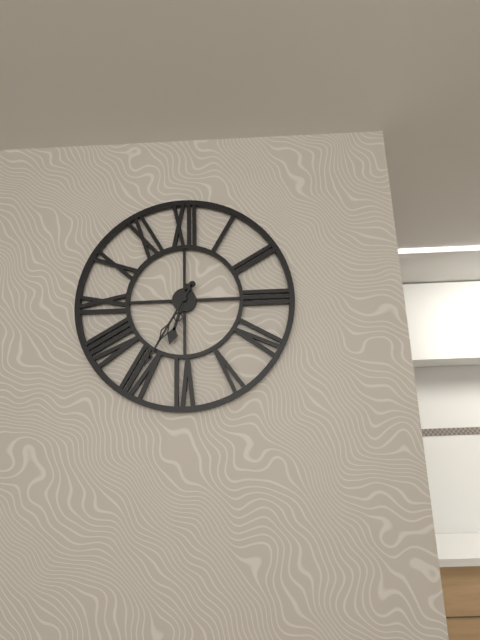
6,35
